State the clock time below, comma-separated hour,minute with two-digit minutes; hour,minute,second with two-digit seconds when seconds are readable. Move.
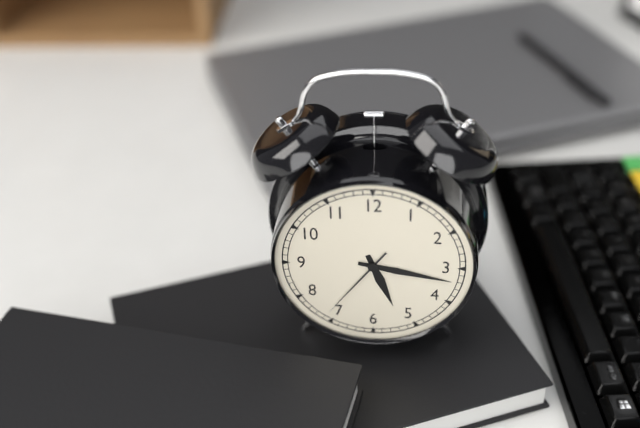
5,17,36
